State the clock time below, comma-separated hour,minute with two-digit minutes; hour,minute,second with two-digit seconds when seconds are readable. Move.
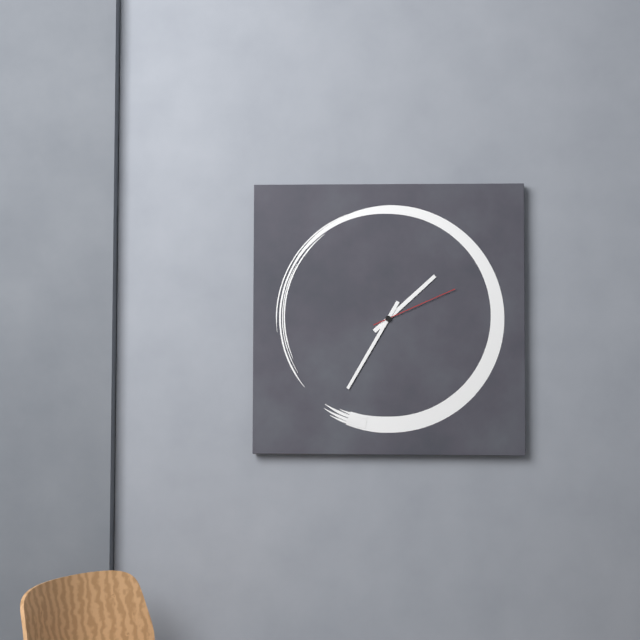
1,35,11
